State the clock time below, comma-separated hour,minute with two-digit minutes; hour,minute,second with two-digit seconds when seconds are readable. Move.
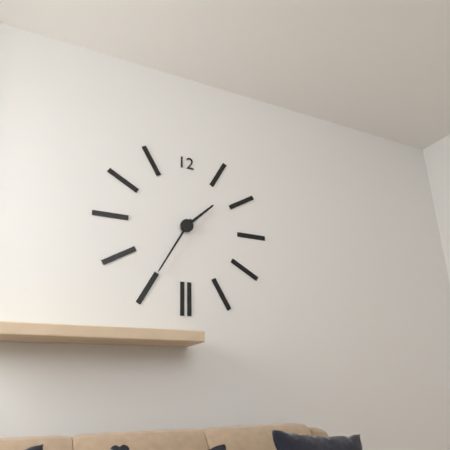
1,35
